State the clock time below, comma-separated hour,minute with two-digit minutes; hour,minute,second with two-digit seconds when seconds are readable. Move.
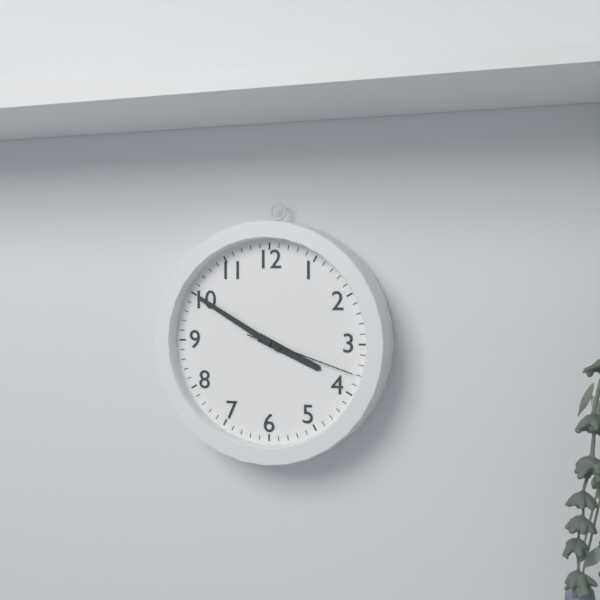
3,50,18
